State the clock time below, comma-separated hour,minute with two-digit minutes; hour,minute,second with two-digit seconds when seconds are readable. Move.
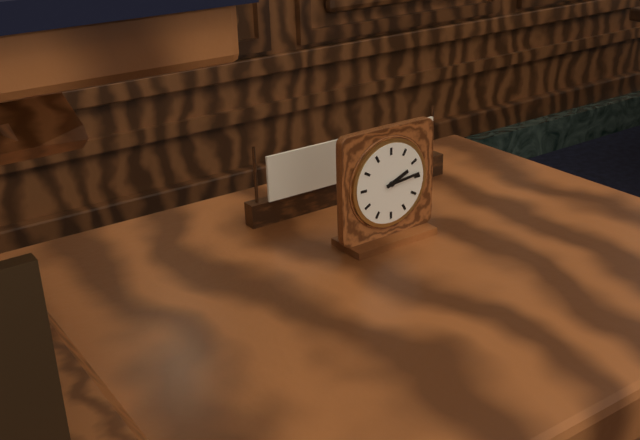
2,14
